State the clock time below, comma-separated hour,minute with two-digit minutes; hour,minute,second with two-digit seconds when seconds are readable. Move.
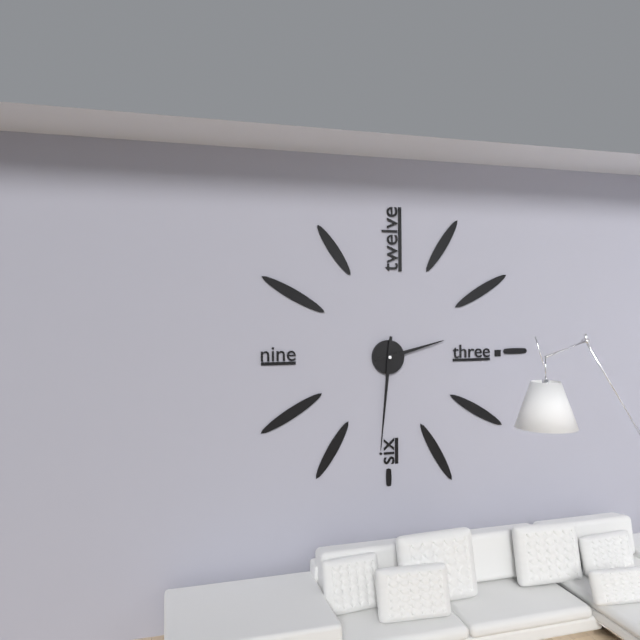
2,31
